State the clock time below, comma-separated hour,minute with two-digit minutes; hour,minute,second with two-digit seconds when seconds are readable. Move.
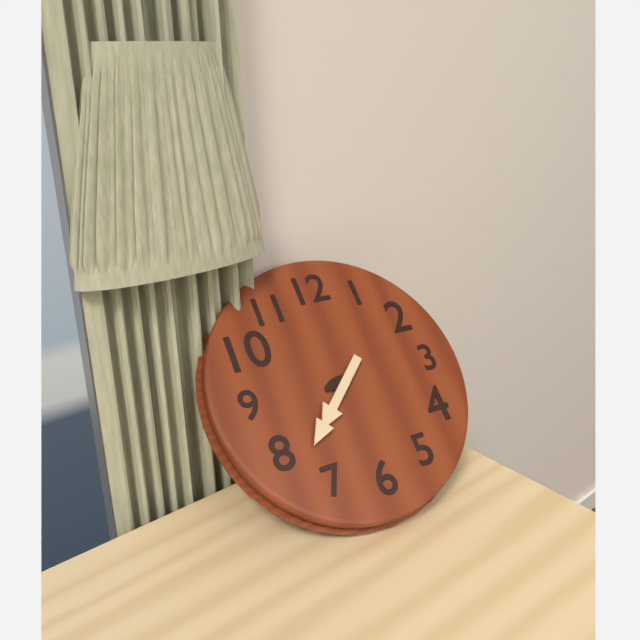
8,38
